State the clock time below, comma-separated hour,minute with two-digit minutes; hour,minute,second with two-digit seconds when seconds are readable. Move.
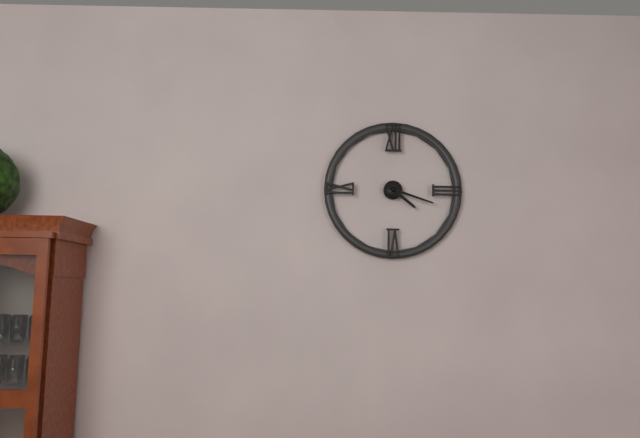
4,18
